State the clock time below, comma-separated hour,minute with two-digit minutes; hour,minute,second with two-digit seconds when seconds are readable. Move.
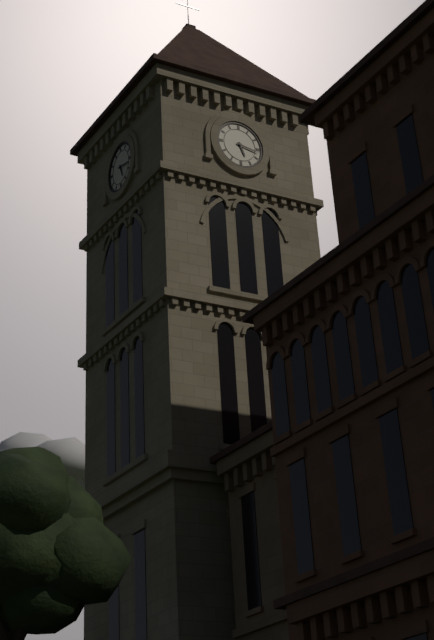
5,17
